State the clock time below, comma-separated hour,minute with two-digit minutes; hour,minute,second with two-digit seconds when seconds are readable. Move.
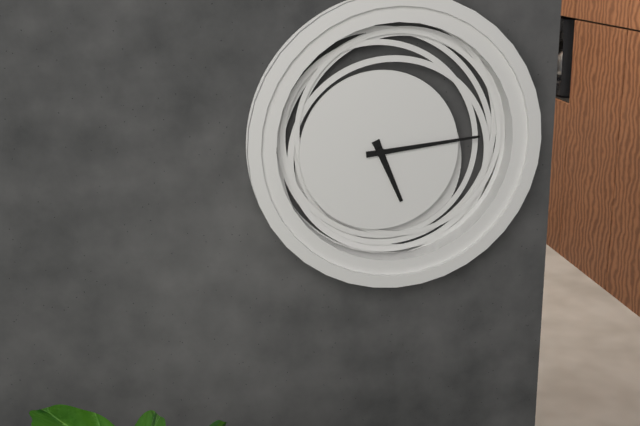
5,14
